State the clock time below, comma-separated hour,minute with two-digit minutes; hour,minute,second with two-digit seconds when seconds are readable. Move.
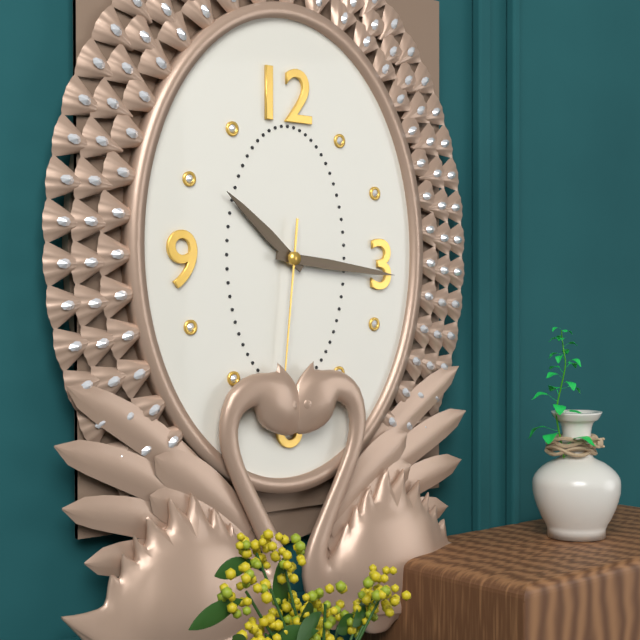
10,16
